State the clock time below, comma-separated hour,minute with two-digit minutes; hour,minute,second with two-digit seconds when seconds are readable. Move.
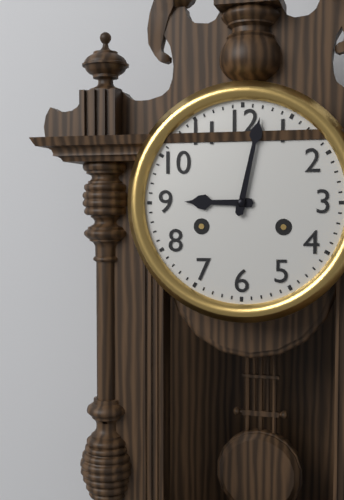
9,02
